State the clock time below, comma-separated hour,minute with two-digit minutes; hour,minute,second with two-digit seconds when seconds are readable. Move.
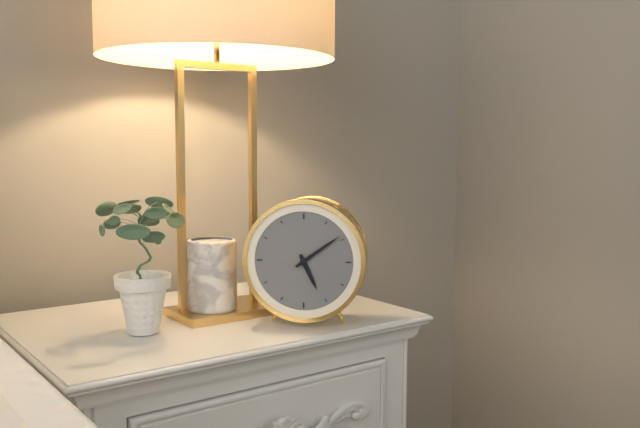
5,09
